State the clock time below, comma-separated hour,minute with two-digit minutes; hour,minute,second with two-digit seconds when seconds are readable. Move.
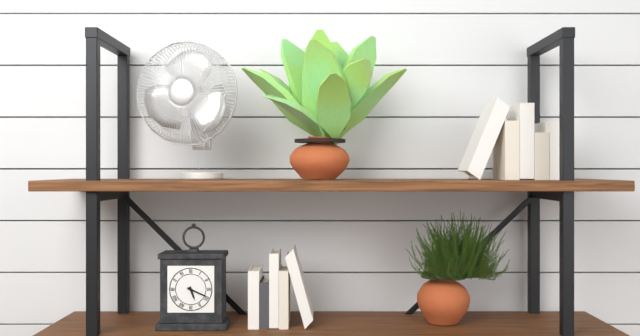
5,19
